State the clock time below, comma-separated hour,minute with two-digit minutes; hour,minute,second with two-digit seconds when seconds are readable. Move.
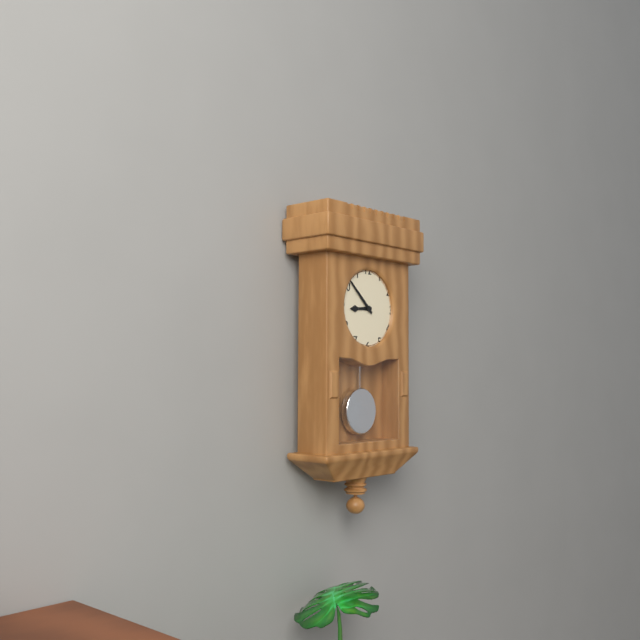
8,52
